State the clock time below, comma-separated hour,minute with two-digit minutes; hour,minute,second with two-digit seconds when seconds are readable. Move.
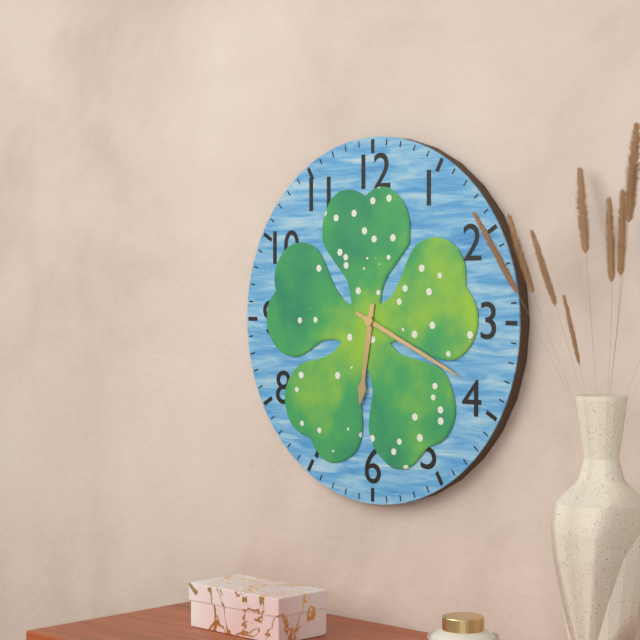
6,19
